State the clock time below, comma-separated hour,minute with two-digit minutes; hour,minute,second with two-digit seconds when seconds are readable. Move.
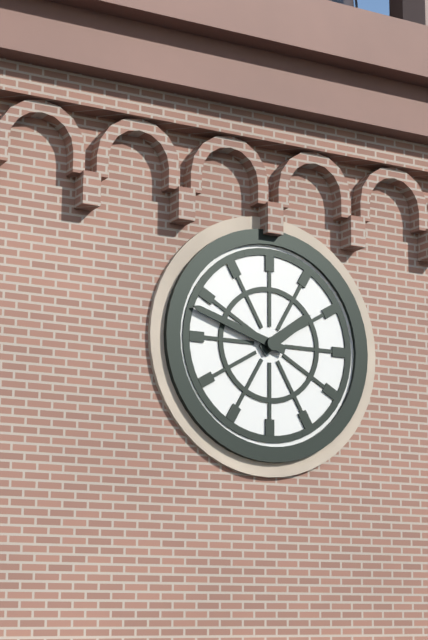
1,48
